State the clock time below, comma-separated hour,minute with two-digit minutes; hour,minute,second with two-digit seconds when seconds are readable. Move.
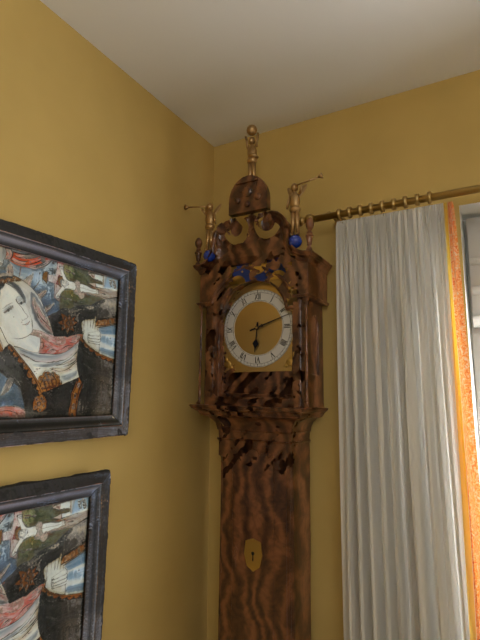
6,12
